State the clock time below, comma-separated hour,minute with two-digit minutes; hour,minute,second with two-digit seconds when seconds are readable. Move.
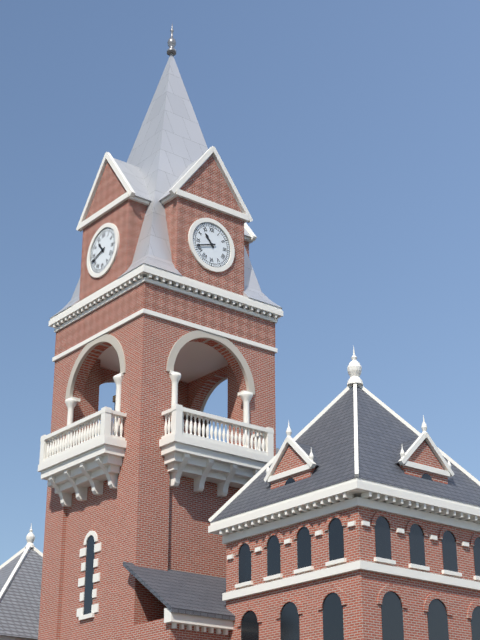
10,42
